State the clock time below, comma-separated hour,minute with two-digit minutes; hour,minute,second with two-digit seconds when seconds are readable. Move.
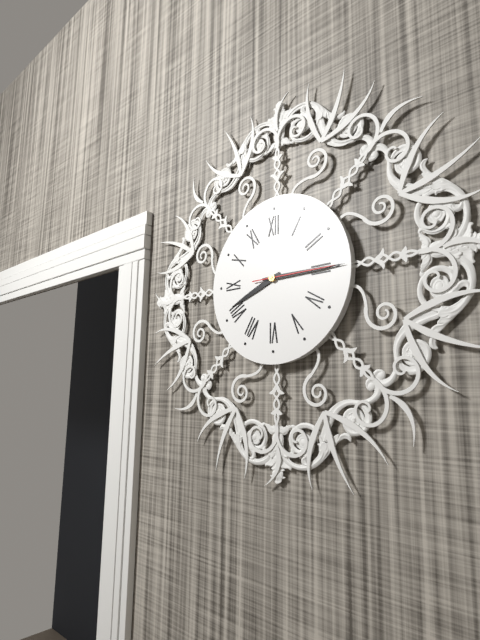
8,15,15
